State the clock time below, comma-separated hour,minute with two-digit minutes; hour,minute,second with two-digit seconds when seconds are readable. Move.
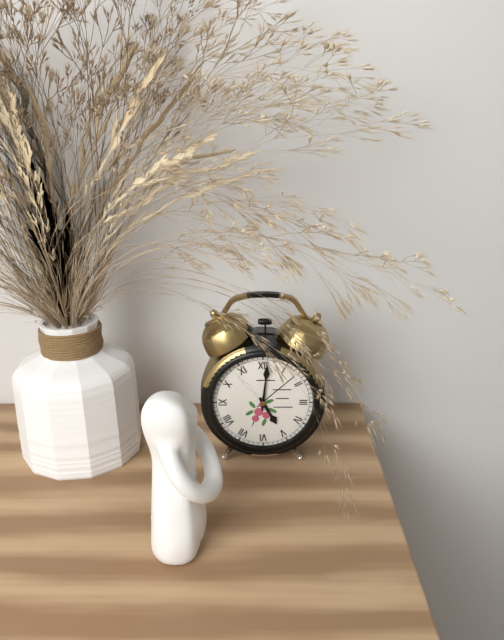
5,01
